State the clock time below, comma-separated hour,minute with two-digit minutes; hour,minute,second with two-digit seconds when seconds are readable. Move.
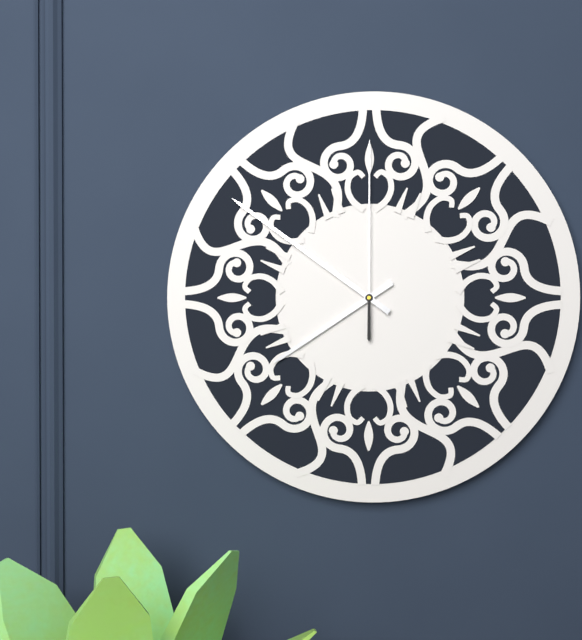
7,51,00
